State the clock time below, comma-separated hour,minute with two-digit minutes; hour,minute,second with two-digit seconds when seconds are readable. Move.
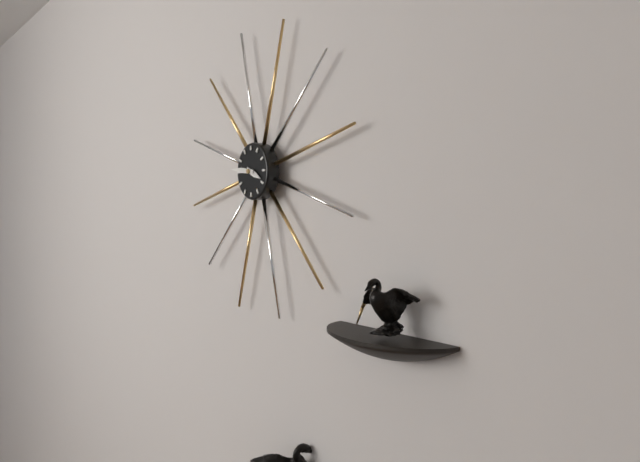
3,46
